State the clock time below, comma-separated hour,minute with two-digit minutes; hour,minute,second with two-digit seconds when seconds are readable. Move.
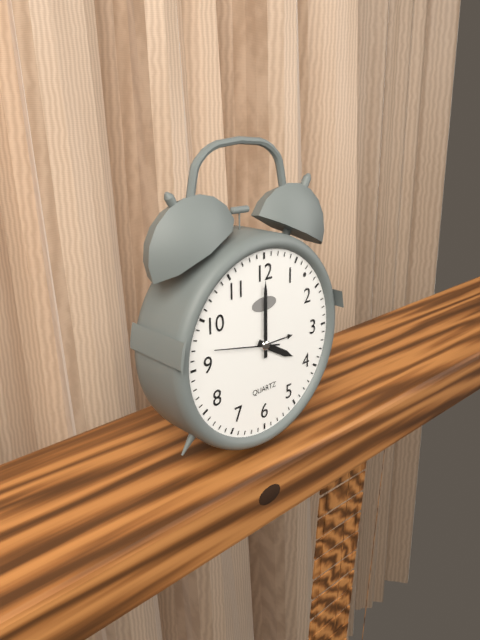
4,00,47
